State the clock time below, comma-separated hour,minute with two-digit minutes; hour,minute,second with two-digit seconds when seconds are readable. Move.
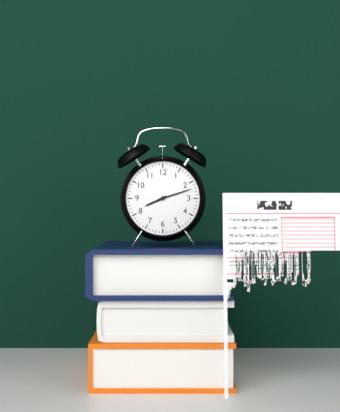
8,12
